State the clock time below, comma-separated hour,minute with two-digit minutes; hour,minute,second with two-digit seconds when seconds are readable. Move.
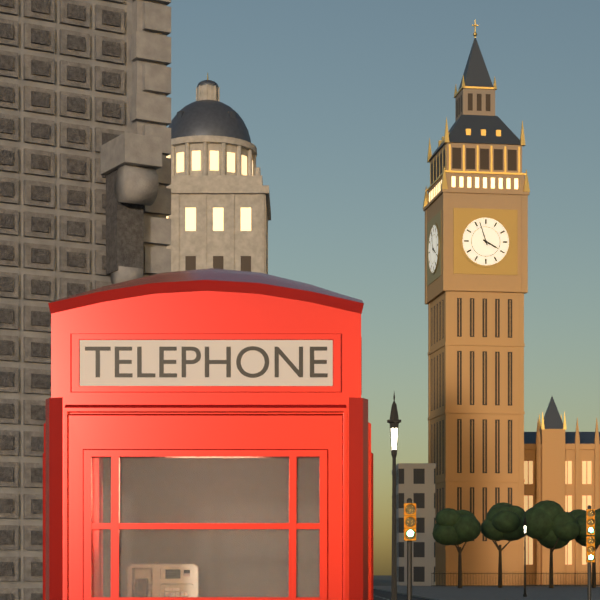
3,57
